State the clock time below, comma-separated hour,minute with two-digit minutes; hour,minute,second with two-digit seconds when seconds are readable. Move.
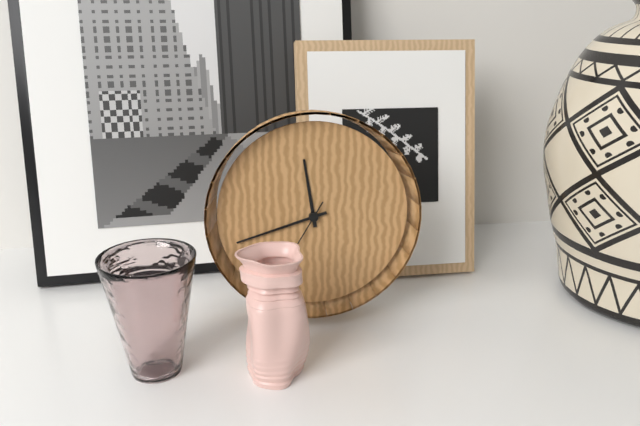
11,42
